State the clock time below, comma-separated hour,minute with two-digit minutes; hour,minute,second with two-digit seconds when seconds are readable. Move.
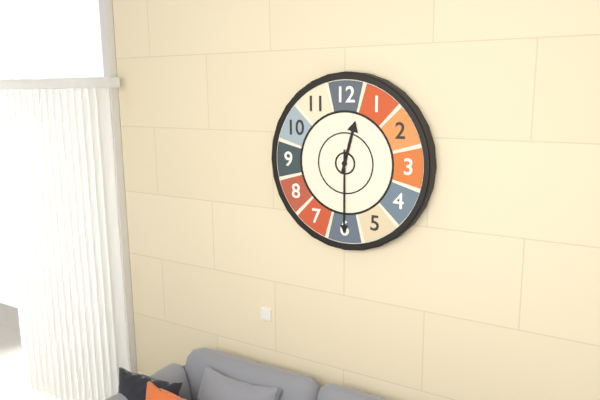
12,30
